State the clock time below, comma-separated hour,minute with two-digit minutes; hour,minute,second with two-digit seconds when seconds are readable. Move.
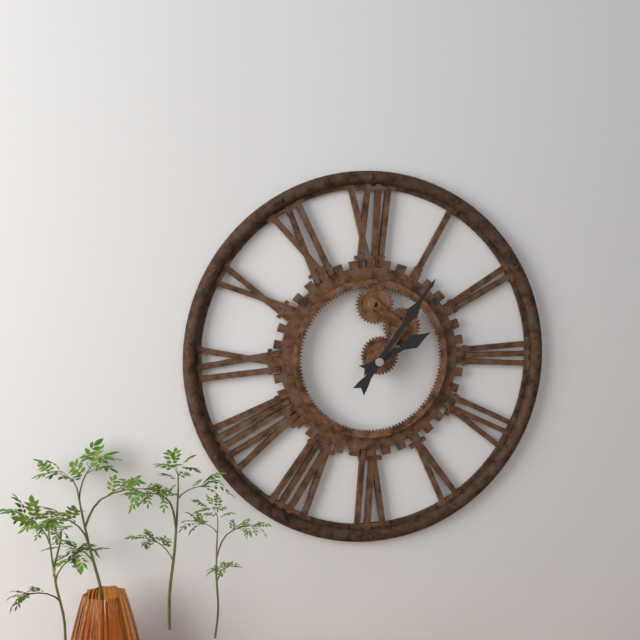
2,06
